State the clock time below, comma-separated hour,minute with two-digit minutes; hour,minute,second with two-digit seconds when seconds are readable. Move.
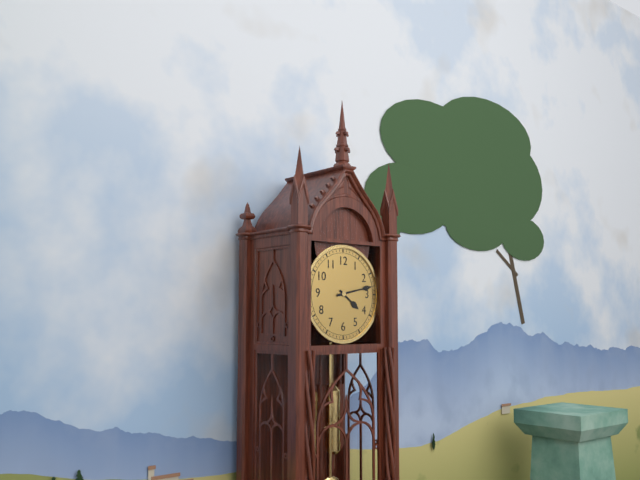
4,13
